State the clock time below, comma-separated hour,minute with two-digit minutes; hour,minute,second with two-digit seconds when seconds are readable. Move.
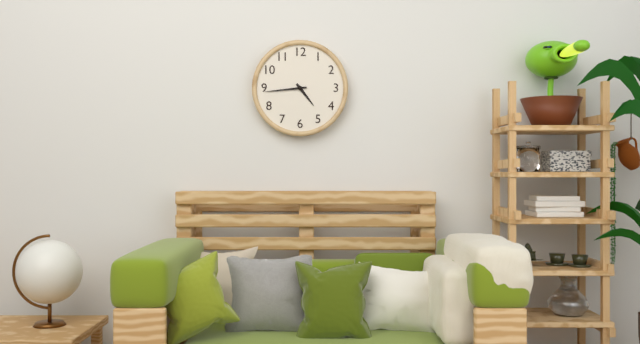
4,44
